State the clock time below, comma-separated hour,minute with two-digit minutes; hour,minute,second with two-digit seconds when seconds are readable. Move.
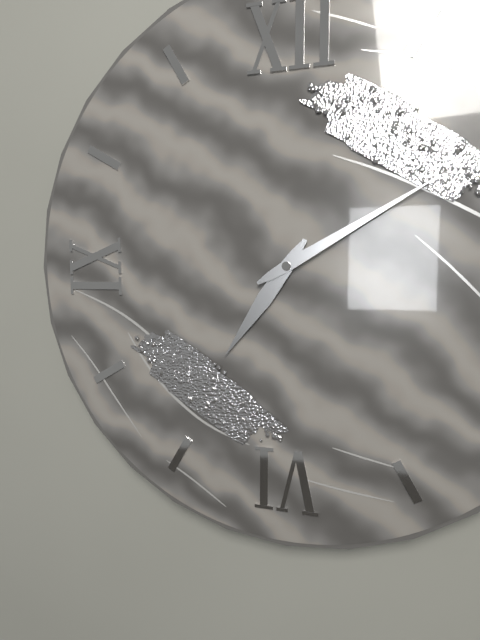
7,10
